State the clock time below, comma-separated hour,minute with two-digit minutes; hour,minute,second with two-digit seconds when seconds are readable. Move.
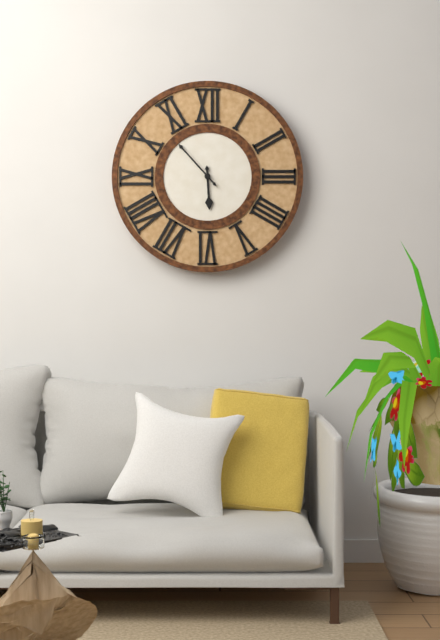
5,53
